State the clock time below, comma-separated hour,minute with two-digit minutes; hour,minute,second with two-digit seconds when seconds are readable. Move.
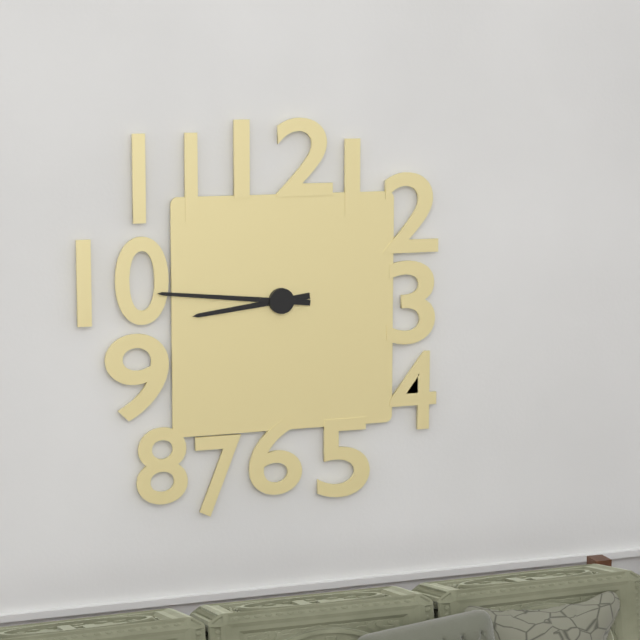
8,46
